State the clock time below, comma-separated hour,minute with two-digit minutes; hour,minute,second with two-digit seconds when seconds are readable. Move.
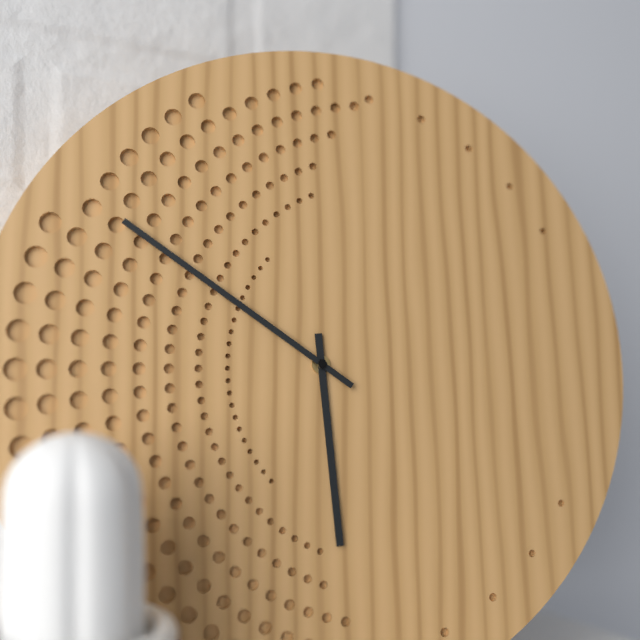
5,51
